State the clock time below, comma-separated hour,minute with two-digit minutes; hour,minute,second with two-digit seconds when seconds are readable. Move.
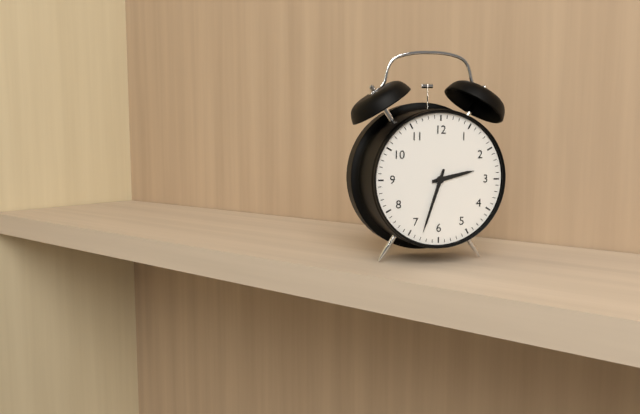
2,33
